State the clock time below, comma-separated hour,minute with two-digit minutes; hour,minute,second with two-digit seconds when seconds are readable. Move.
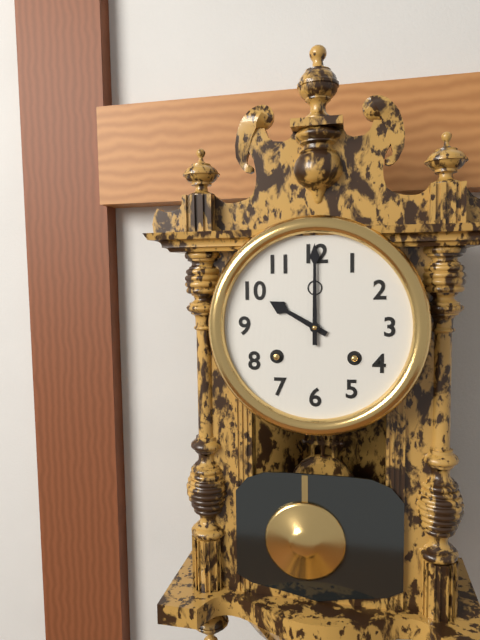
10,00
